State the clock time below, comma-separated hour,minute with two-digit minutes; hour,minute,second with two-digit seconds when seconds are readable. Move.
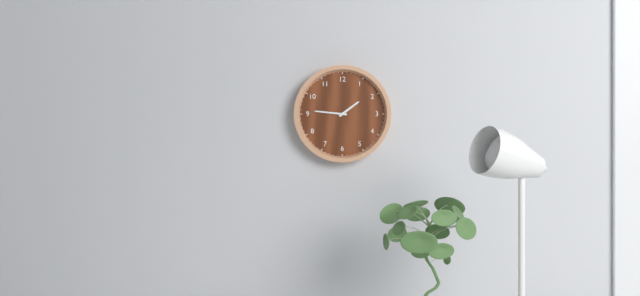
1,46
